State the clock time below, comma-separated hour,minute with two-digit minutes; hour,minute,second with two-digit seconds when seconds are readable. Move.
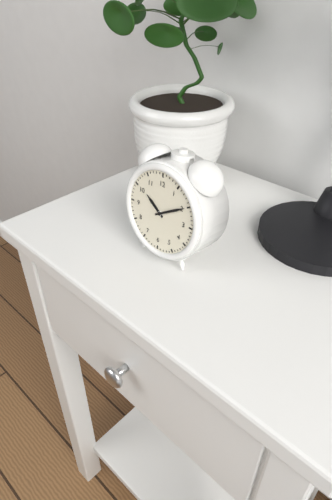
10,10
